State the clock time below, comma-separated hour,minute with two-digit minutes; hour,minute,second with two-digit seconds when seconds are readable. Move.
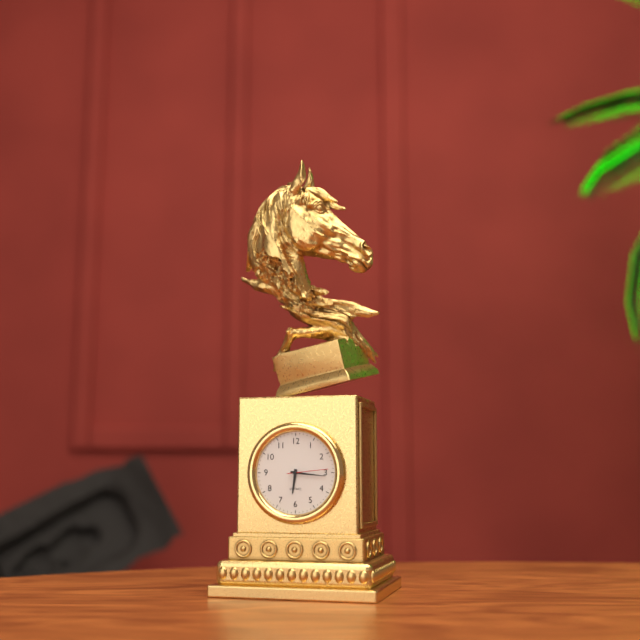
6,16
